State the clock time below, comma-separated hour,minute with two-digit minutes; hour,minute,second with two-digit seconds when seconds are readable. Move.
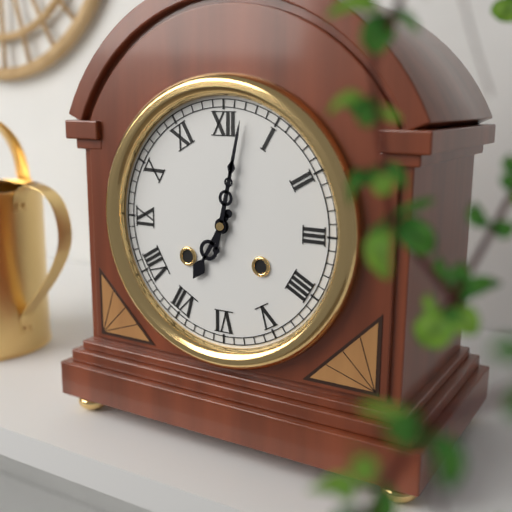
7,02
